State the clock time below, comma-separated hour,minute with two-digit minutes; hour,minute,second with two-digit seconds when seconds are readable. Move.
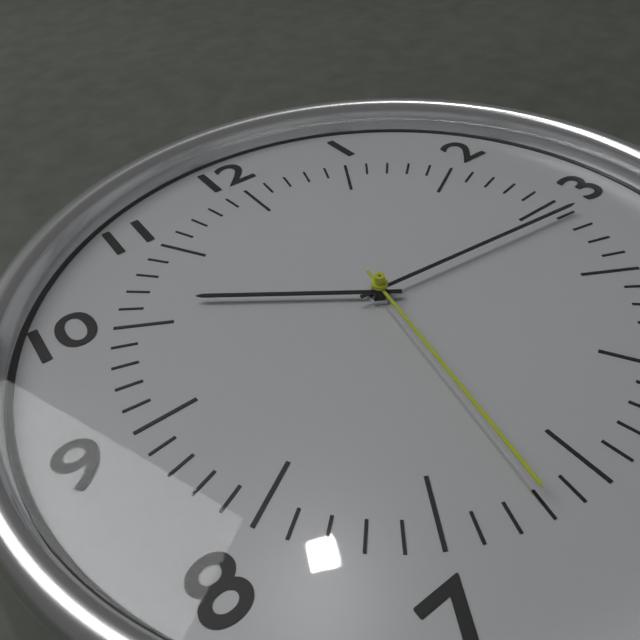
10,16,32
